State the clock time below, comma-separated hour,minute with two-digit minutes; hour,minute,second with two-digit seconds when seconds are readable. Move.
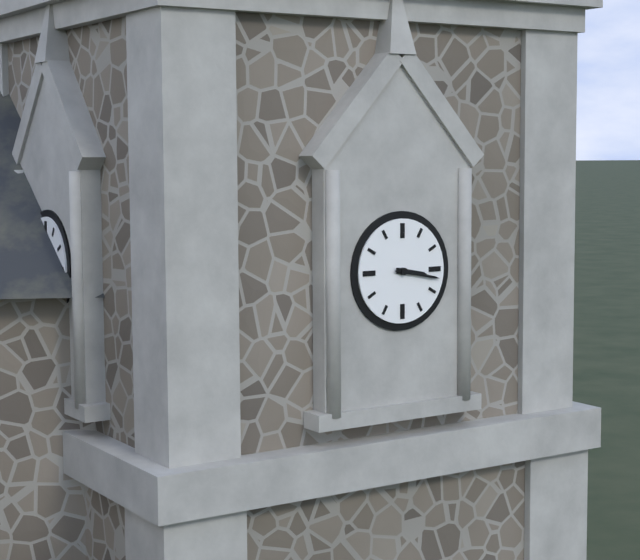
3,17
